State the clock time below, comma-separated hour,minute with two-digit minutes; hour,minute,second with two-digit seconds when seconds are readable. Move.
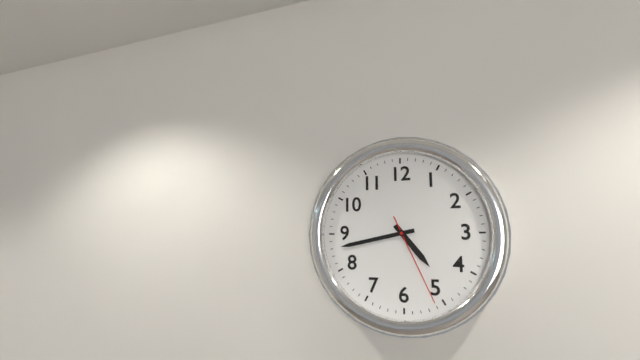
4,43,26
